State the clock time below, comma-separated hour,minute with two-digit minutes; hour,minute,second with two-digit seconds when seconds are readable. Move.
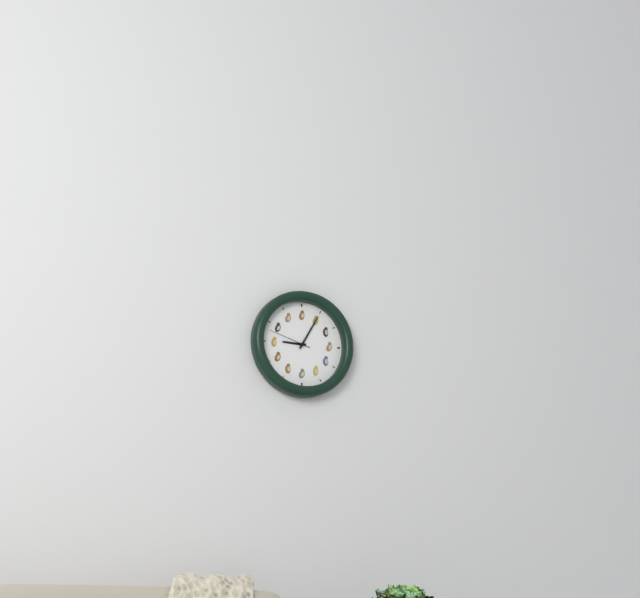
9,05
